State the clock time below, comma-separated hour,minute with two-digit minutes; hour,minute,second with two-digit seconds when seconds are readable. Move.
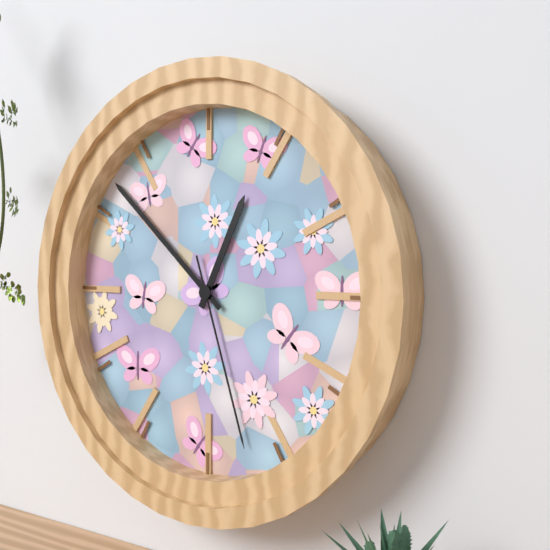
12,52,27
